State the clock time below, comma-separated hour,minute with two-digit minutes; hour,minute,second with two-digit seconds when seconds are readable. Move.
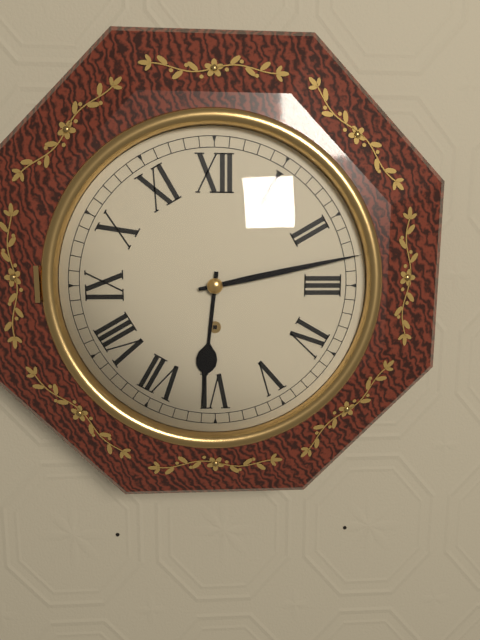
6,13
